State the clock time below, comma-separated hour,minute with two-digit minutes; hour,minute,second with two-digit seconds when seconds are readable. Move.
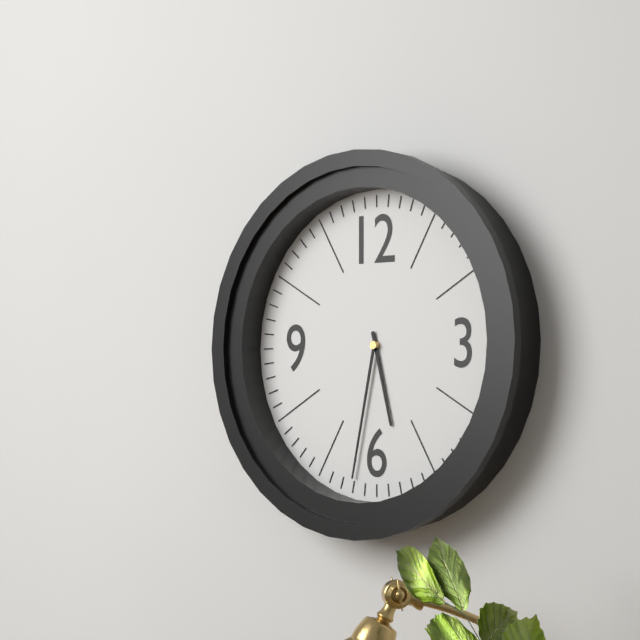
5,32
